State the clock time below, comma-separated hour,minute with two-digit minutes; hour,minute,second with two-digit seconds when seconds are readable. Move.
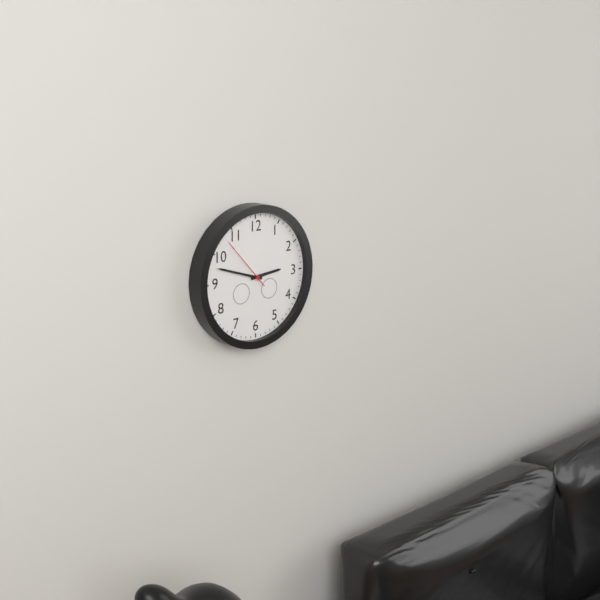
2,48,53
